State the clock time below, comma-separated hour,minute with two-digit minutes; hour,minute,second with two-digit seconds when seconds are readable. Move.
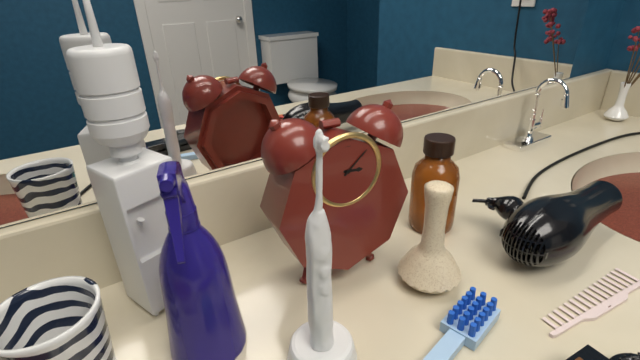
3,08
